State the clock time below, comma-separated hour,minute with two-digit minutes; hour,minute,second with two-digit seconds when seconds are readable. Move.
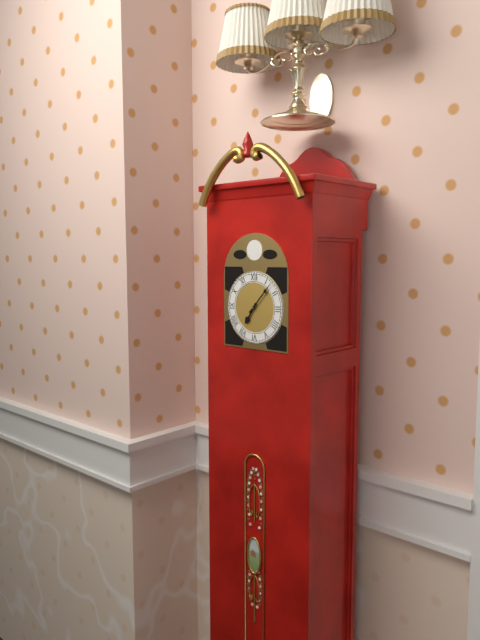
7,07
